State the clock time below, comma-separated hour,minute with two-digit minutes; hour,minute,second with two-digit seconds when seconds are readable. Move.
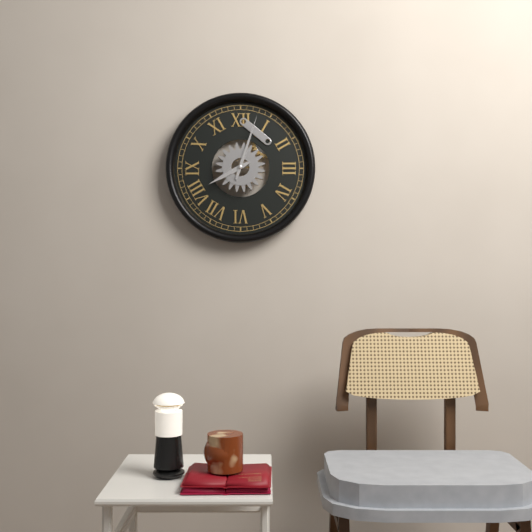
8,03
